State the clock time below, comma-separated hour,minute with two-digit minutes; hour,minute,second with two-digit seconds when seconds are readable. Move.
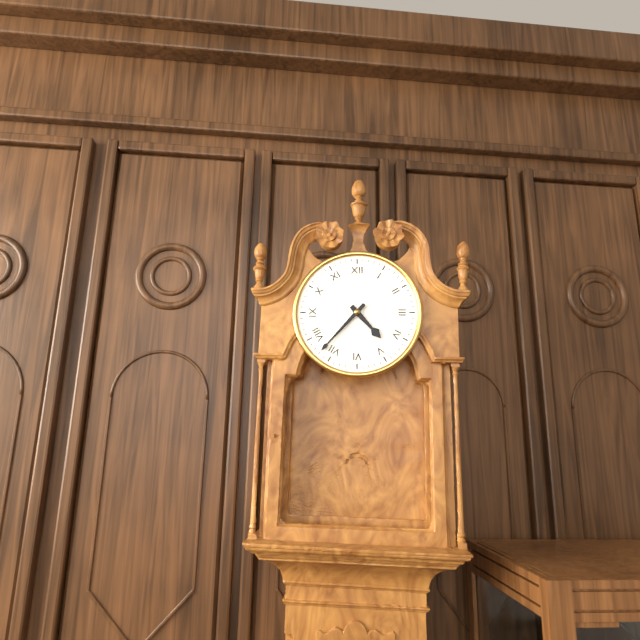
4,37
